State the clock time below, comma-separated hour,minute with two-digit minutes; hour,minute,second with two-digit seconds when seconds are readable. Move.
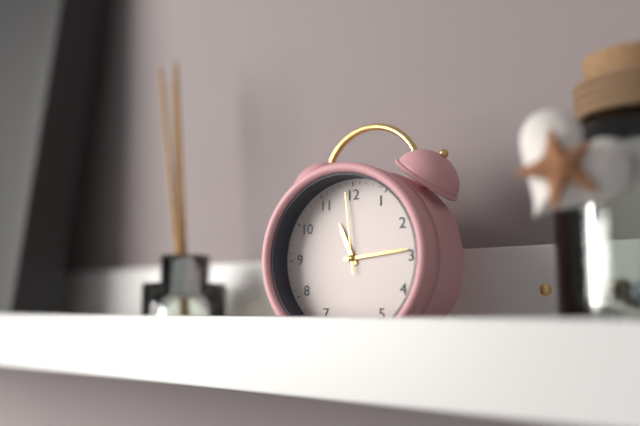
11,14,59
